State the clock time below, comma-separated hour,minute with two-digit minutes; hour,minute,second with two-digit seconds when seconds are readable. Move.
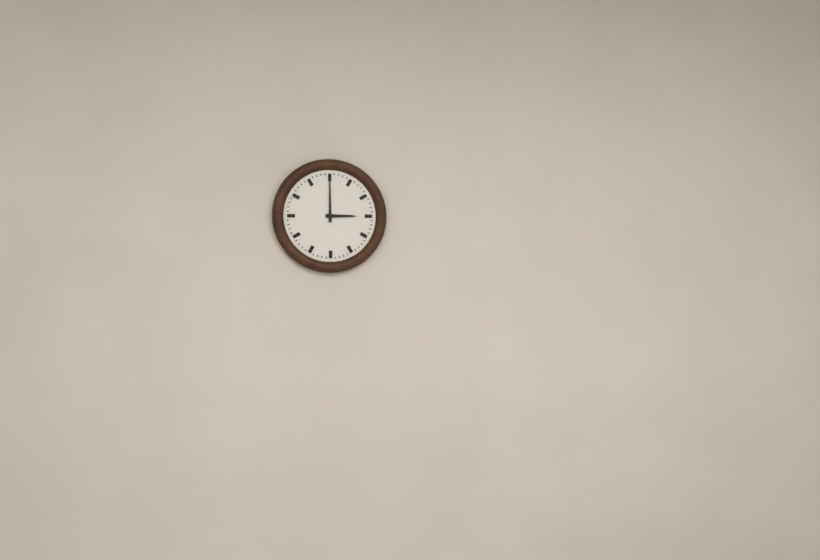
3,00
